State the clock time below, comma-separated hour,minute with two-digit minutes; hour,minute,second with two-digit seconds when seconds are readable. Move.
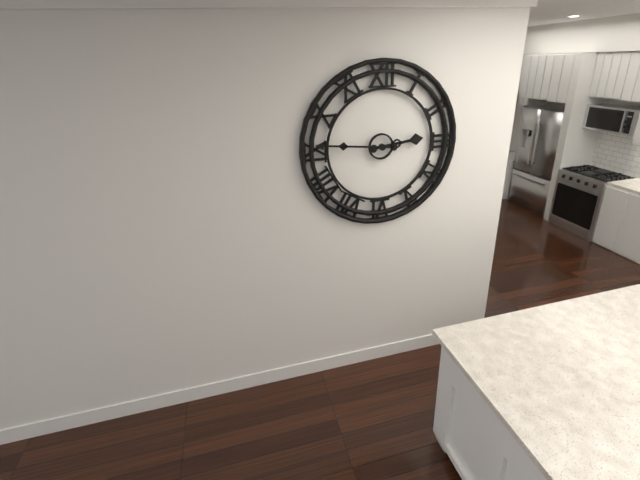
2,46
